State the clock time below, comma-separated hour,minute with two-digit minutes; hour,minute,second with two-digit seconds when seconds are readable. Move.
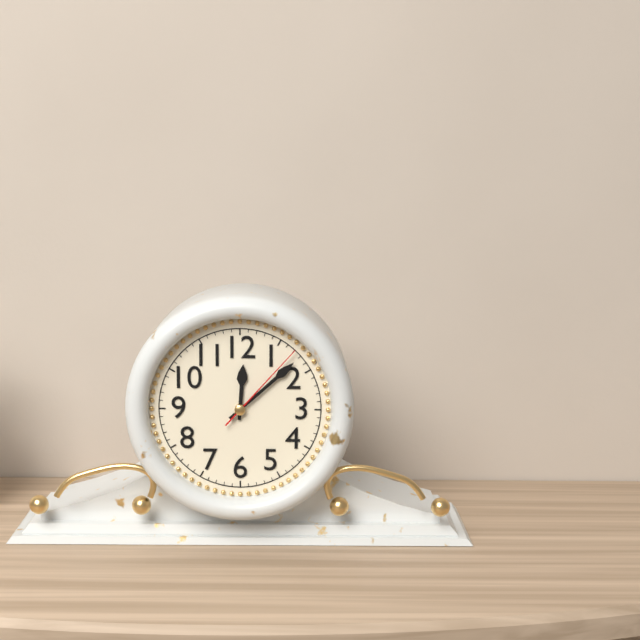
12,08,07
